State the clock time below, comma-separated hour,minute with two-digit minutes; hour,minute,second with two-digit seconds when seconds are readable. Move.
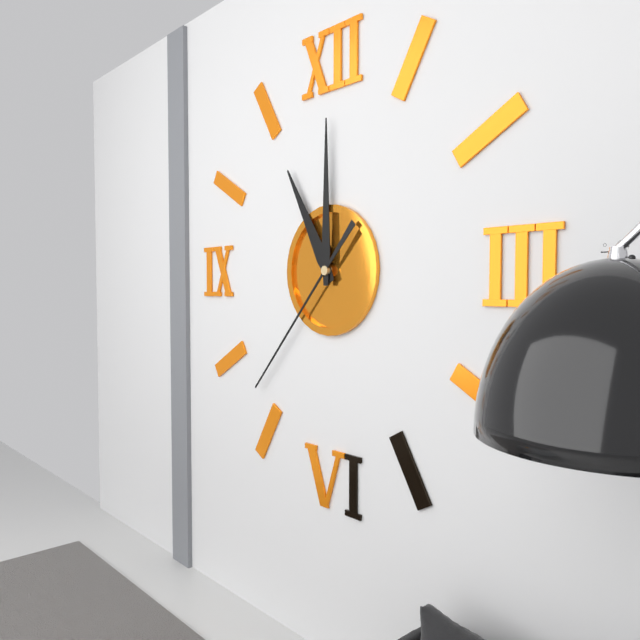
11,00,37
